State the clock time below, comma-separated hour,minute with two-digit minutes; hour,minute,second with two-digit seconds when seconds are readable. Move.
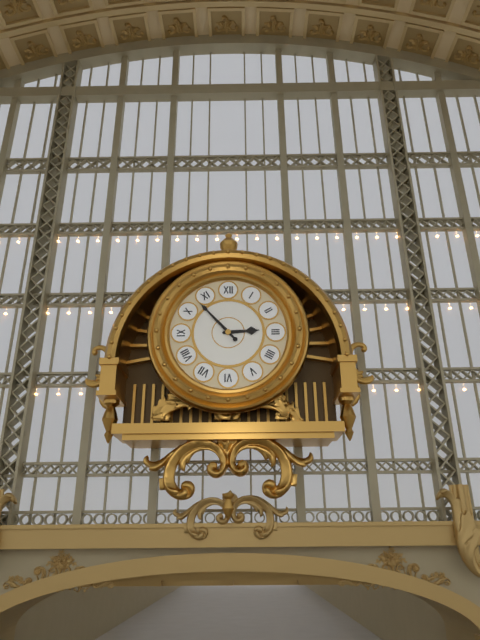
2,53
